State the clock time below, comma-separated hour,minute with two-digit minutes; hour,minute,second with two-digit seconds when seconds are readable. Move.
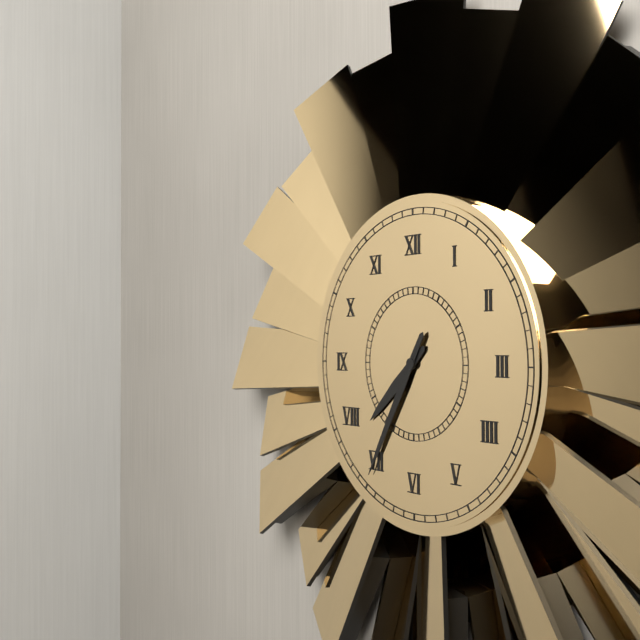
7,35
